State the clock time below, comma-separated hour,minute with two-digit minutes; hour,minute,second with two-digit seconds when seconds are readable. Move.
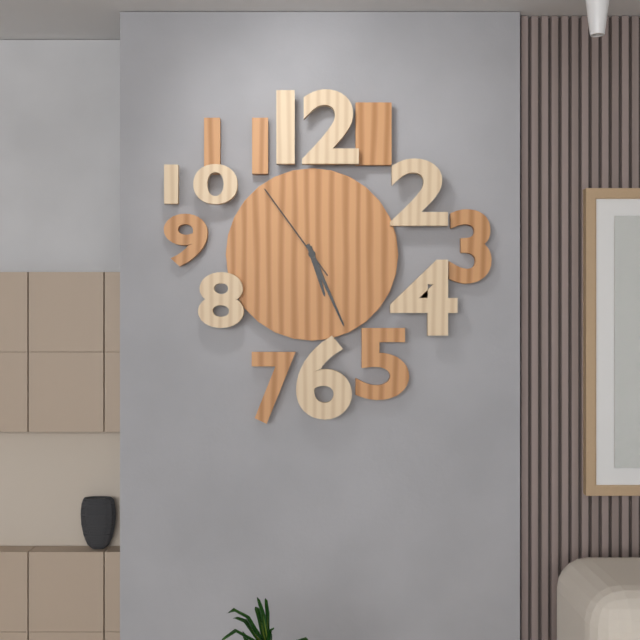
5,26,54
